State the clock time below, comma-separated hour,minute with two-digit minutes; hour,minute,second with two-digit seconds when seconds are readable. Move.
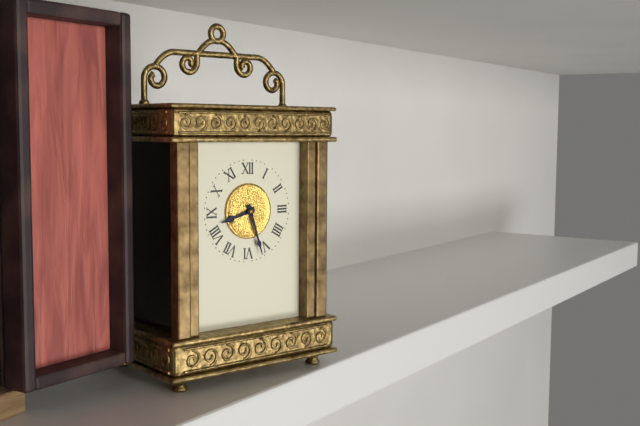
8,27
